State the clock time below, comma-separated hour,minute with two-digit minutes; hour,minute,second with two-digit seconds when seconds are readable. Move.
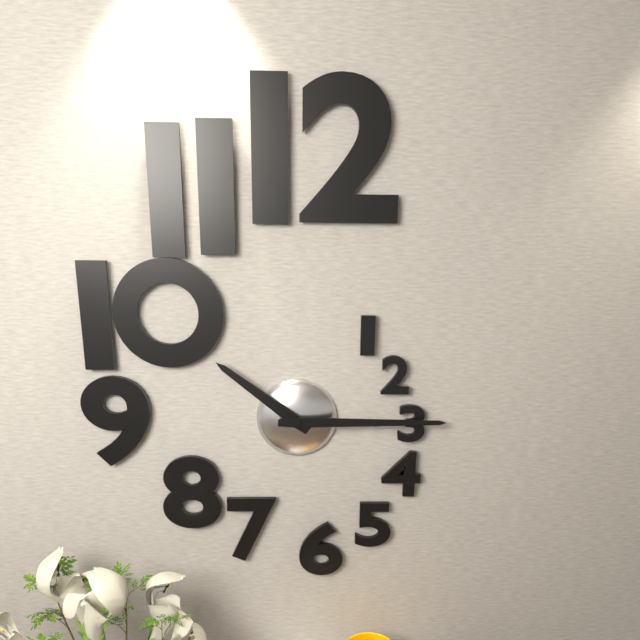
10,15
